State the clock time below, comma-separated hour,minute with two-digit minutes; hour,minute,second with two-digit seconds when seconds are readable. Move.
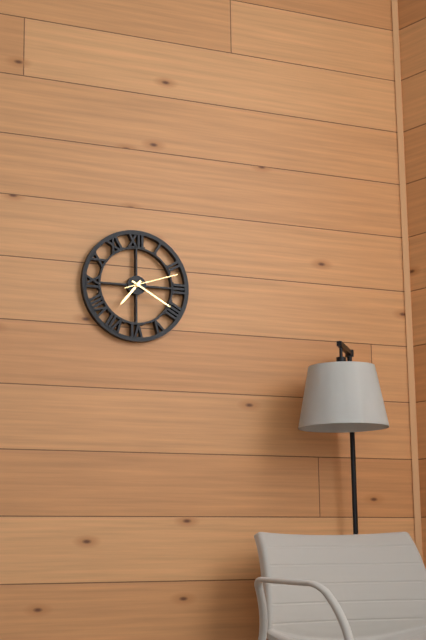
7,20,12
